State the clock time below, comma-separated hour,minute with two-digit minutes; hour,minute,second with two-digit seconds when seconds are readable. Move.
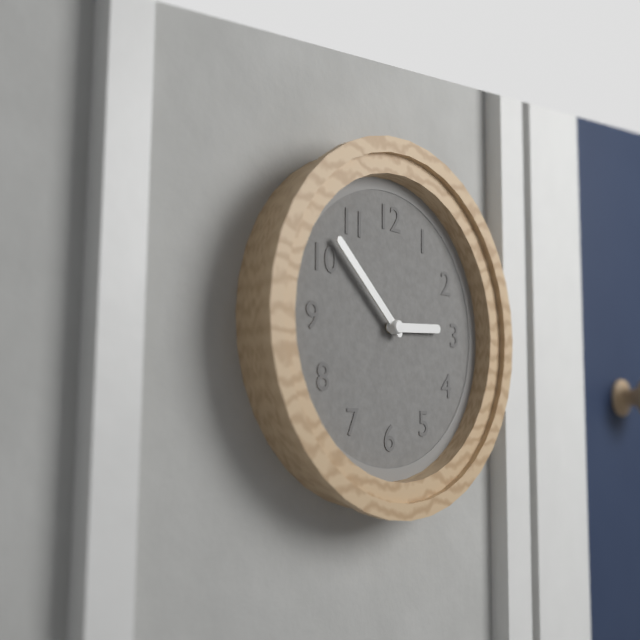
2,52
